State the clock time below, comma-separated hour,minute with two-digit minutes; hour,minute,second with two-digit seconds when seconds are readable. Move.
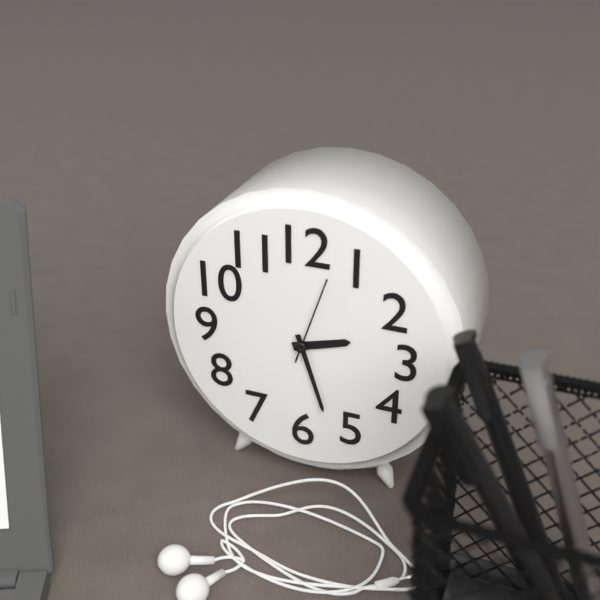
2,27,03
